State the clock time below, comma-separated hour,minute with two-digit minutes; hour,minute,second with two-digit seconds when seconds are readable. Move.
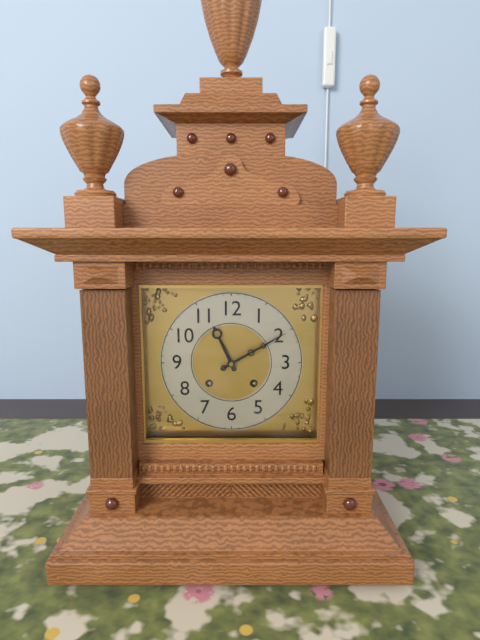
11,10
